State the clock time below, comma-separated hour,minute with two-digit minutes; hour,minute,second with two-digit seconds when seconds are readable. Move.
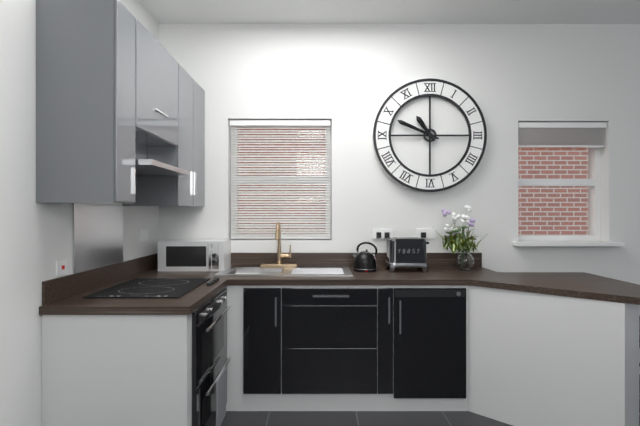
10,49
